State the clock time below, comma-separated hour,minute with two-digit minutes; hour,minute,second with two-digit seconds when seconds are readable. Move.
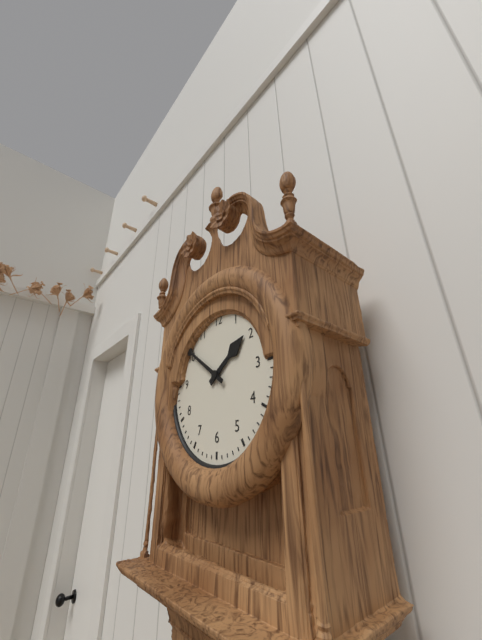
1,51
